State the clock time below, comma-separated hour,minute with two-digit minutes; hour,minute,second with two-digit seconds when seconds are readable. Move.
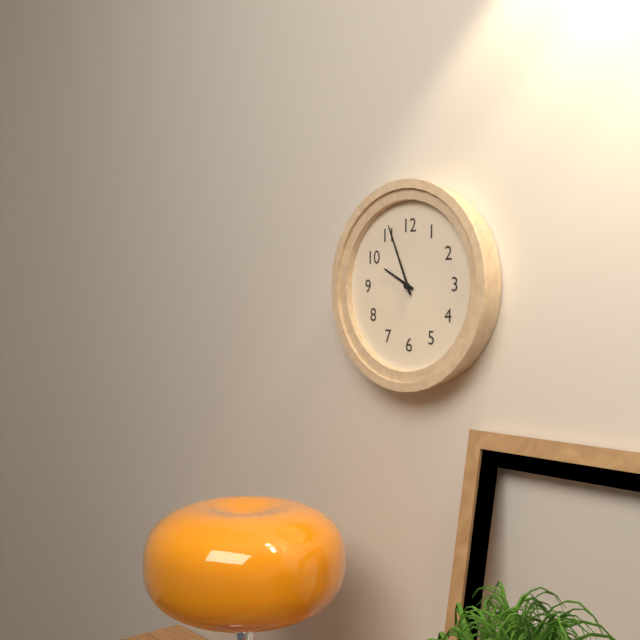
9,56
